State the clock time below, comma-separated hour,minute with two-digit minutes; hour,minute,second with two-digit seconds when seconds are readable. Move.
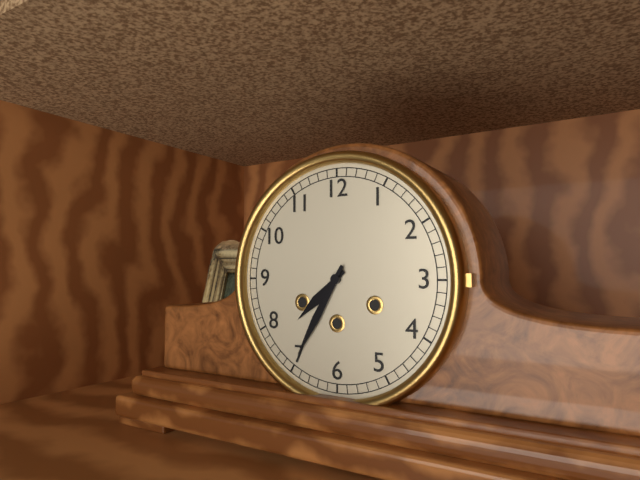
7,35
